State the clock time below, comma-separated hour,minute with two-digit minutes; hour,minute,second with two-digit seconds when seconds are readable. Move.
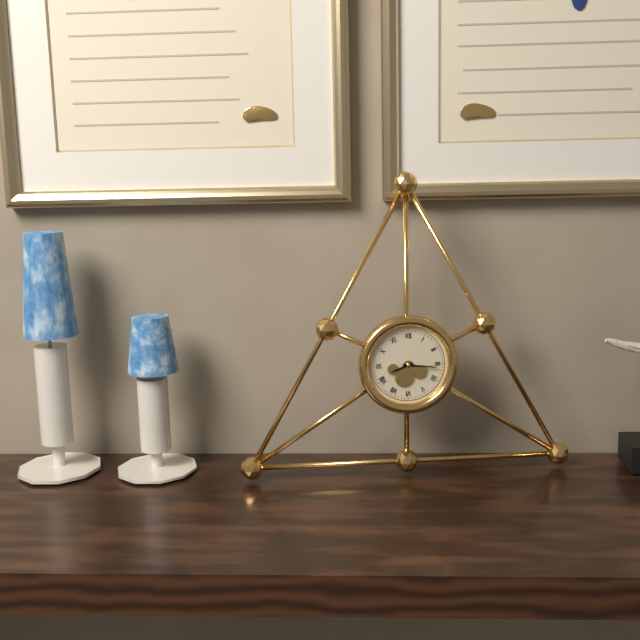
8,16
